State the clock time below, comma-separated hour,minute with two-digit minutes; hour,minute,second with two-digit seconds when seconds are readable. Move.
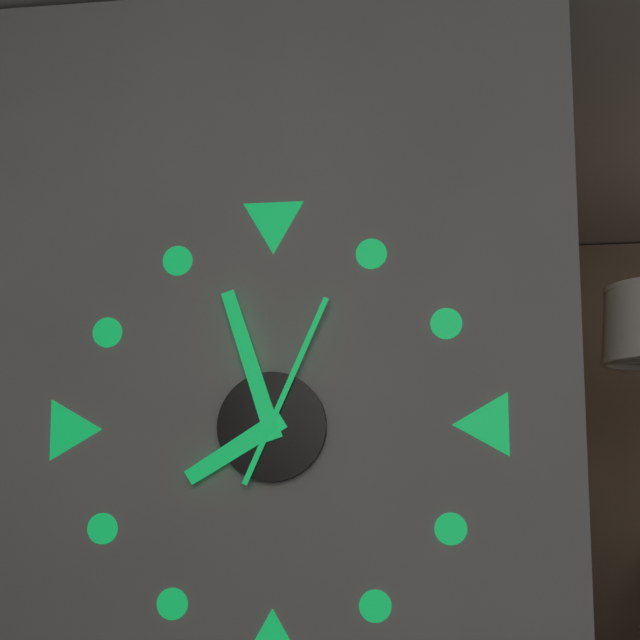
7,57,04
